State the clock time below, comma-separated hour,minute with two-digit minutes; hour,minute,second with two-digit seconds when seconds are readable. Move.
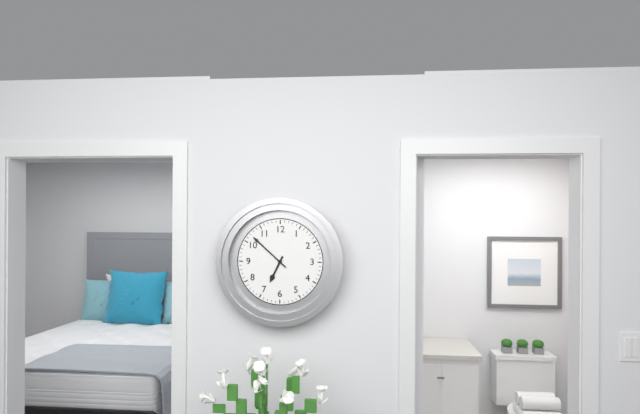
6,52
